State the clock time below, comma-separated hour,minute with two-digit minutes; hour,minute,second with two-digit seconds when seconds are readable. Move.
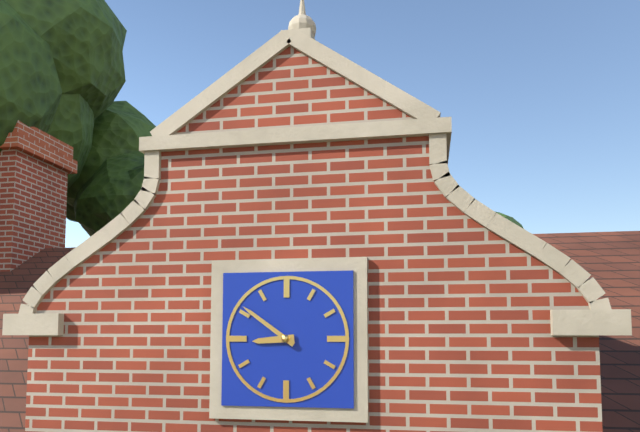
8,51
